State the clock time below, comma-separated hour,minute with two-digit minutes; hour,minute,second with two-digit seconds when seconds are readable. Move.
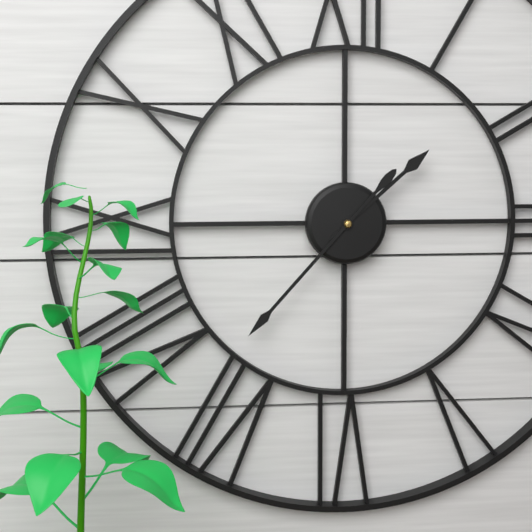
1,37
